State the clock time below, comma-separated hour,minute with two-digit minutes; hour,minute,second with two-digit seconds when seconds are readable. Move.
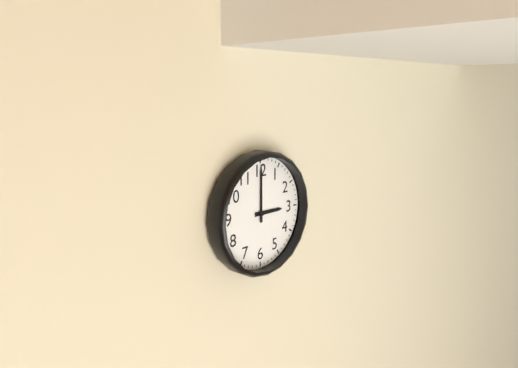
3,00
